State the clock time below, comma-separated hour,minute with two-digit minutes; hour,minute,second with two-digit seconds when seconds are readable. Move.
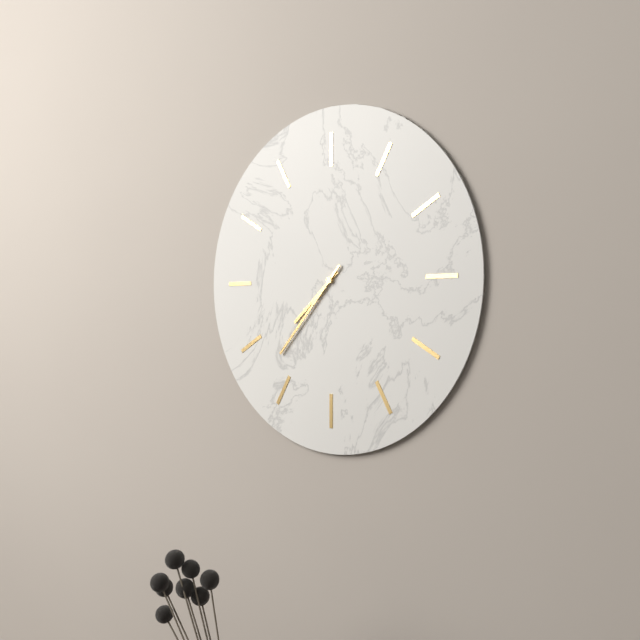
7,37
